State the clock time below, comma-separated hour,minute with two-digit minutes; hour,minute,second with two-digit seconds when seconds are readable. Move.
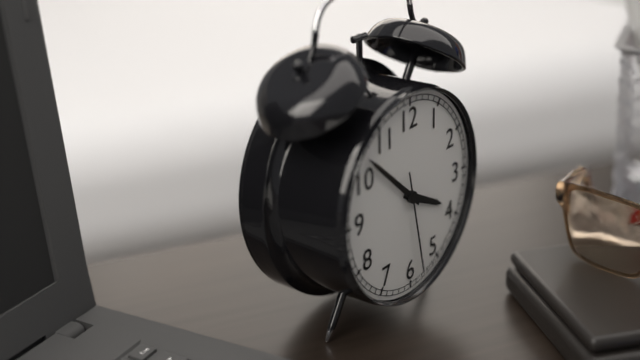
3,52,28
